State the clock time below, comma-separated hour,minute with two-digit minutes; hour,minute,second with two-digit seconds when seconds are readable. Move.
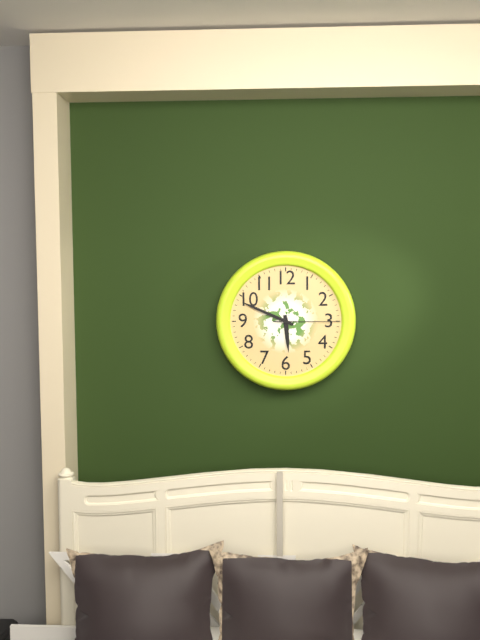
5,49,15
